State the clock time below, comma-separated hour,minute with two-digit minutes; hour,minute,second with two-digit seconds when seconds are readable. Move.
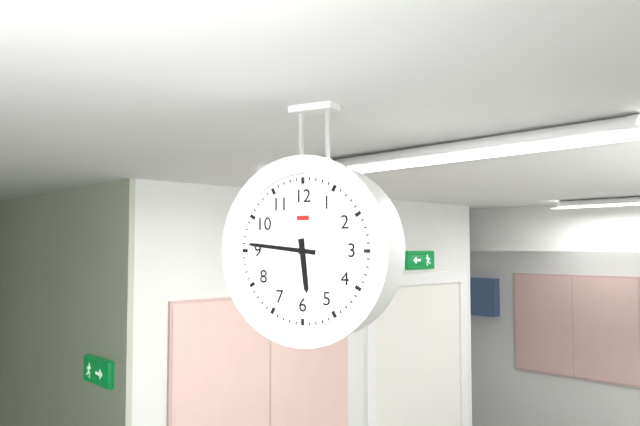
5,46
